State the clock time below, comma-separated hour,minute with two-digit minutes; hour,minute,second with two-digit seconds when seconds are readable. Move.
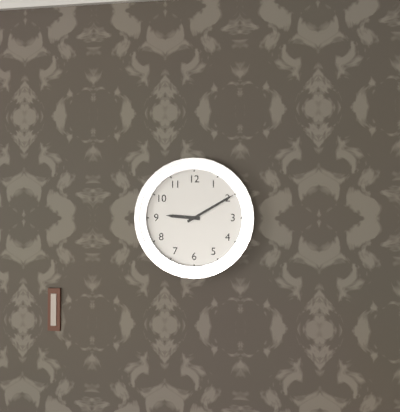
9,10
